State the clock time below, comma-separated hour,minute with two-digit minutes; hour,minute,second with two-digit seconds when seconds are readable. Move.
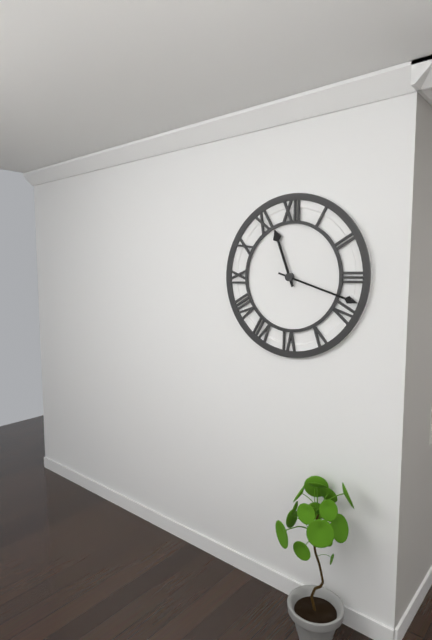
11,18
